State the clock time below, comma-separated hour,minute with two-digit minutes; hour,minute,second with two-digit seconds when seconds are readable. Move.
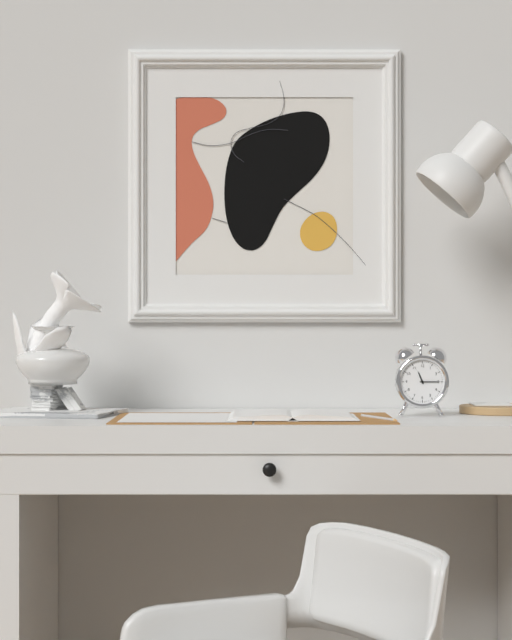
11,15
